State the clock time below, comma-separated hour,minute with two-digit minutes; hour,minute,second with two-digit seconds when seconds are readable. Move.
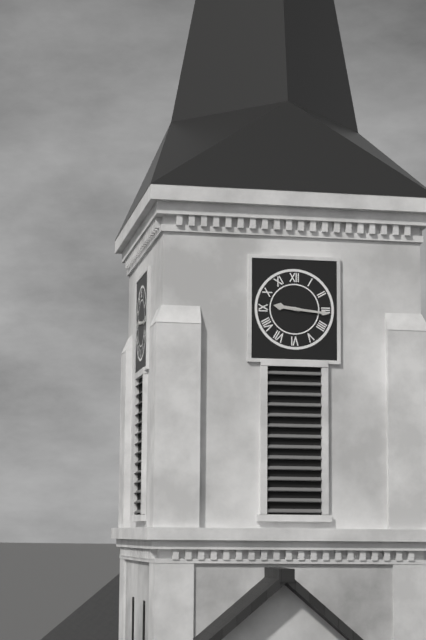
9,16
